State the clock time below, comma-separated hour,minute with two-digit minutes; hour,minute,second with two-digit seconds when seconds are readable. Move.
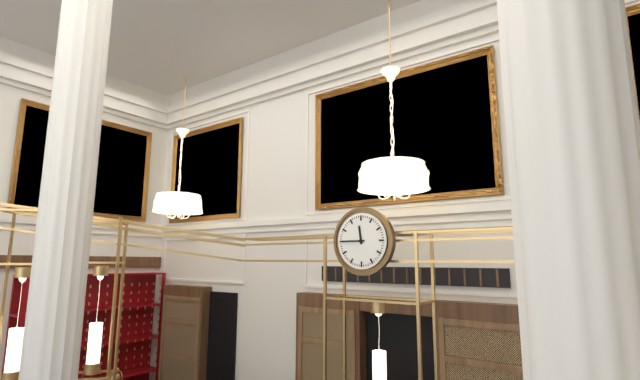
11,45
